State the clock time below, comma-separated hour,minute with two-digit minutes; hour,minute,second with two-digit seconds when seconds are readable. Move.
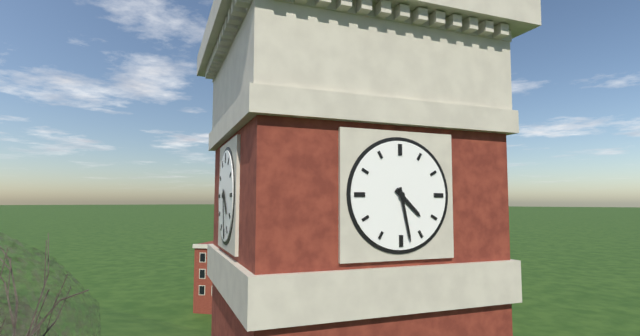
4,28
